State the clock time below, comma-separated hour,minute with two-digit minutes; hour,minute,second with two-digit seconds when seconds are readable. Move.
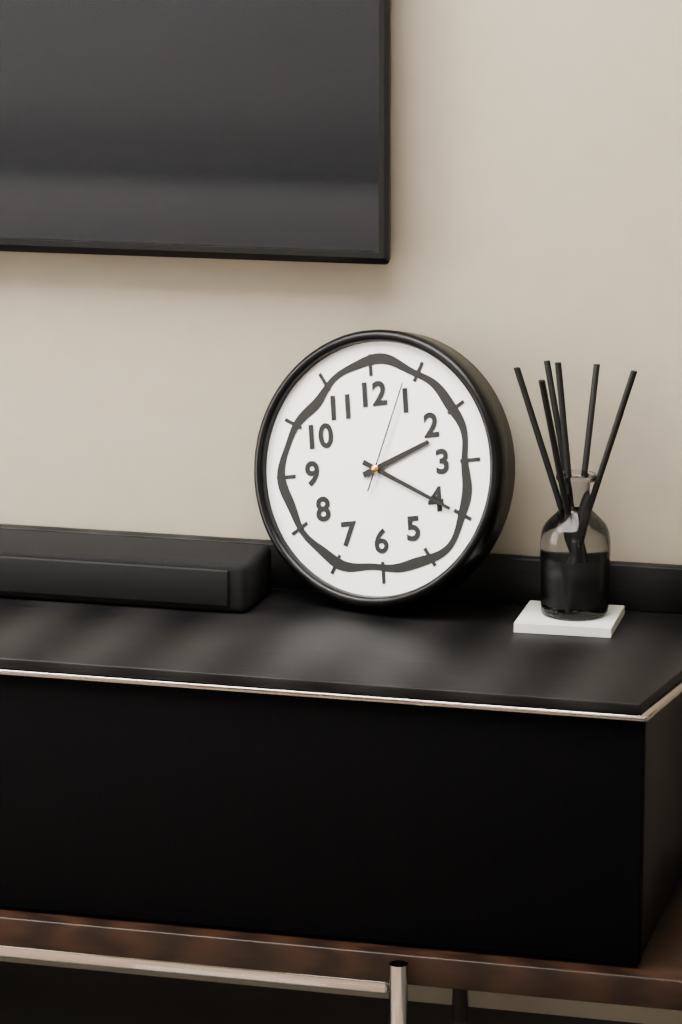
2,20,04
